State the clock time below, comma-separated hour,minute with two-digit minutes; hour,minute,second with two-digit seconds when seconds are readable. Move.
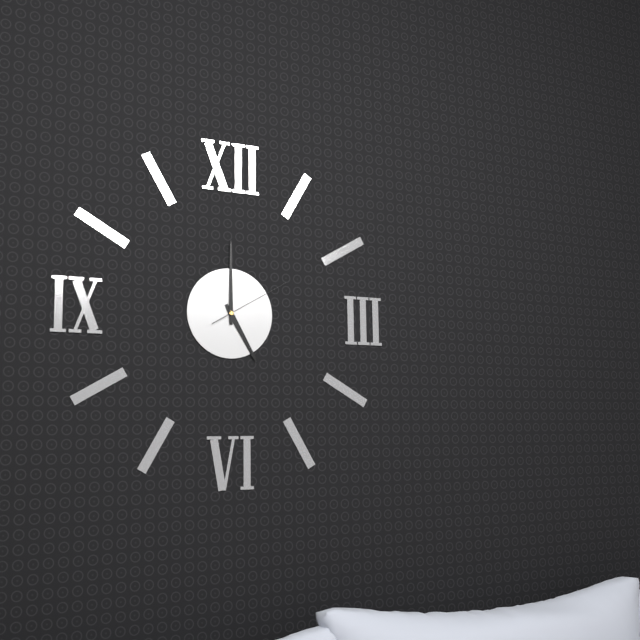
5,00,10
